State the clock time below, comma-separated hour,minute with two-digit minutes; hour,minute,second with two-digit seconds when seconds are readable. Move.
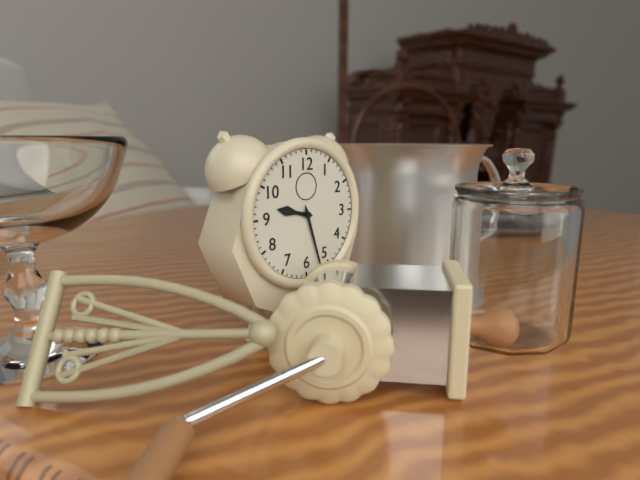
9,27
